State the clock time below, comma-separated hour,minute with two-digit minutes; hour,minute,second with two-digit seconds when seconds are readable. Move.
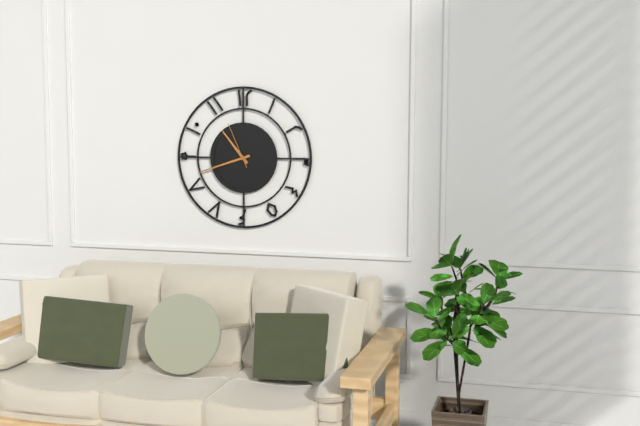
10,42
